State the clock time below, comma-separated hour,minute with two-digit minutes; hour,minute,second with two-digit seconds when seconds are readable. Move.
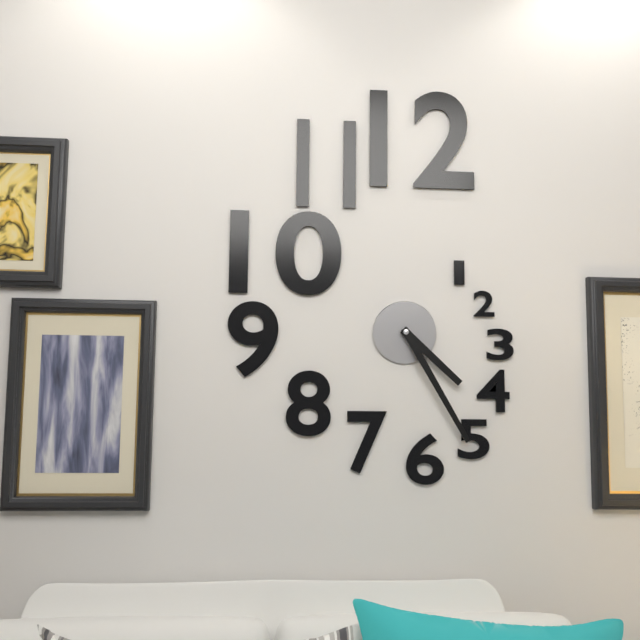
4,25
